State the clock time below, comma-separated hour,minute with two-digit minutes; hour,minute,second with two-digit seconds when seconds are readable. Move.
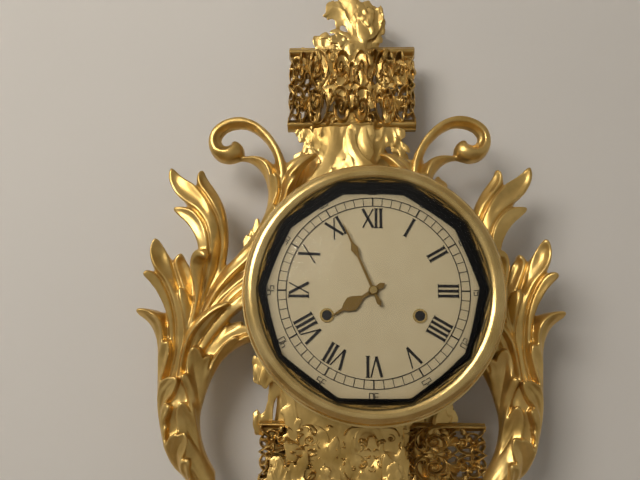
7,56
